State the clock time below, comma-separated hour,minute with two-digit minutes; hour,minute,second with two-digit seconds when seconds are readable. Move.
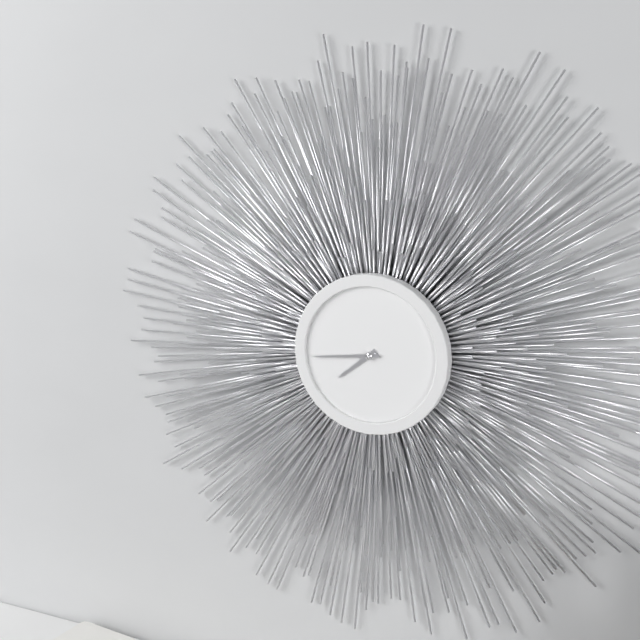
7,44
